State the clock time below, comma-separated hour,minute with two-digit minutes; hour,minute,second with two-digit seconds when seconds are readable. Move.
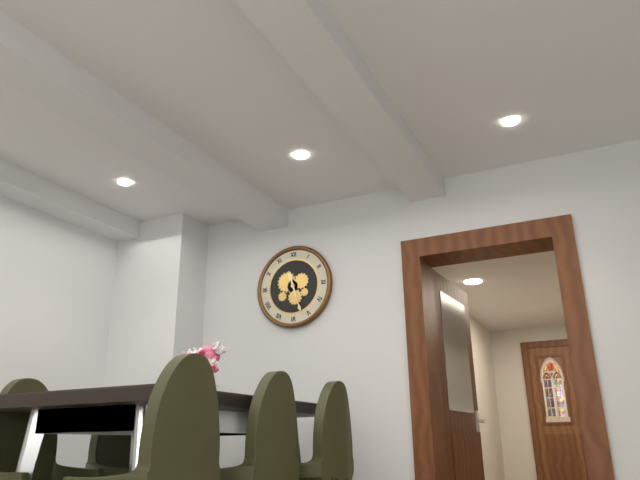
11,27
